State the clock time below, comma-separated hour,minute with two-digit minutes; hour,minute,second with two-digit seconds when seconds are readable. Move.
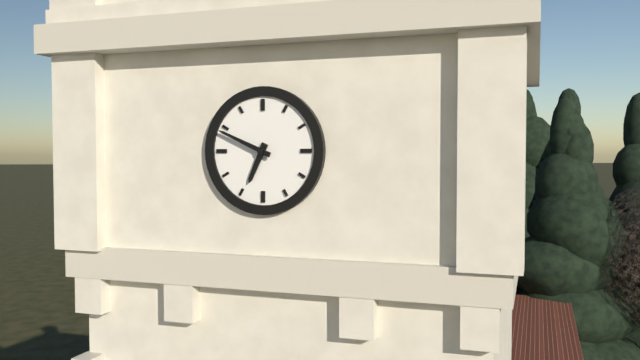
6,49
